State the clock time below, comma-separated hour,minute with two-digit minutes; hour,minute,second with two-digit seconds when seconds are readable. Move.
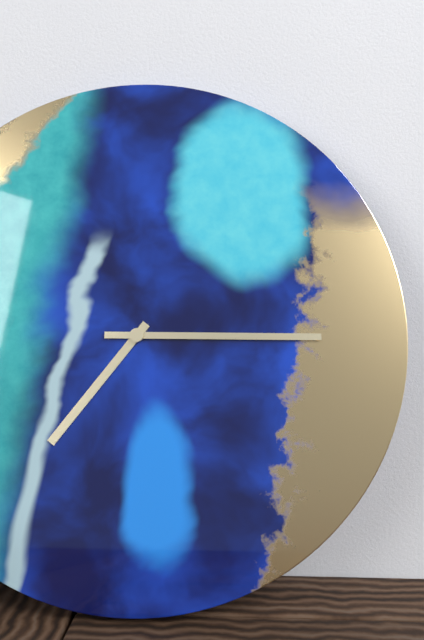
7,15
